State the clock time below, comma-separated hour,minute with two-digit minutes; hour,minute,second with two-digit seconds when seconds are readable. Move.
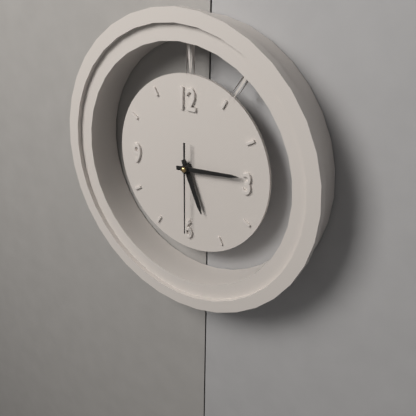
5,14,30
